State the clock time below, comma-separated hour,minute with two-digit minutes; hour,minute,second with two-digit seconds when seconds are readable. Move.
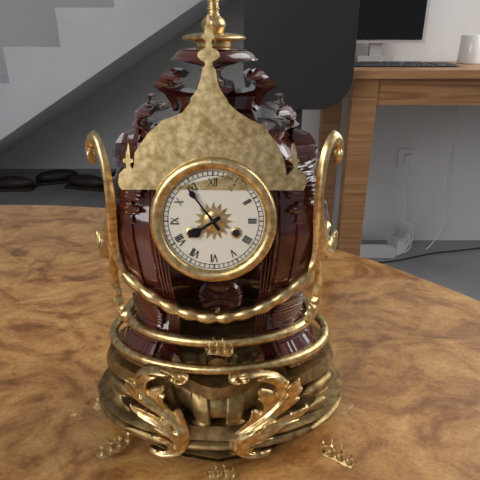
7,54
